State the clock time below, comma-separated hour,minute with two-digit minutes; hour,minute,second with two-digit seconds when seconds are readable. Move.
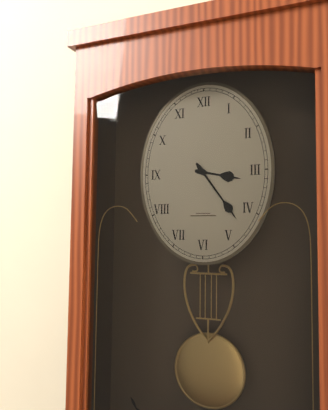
3,24
